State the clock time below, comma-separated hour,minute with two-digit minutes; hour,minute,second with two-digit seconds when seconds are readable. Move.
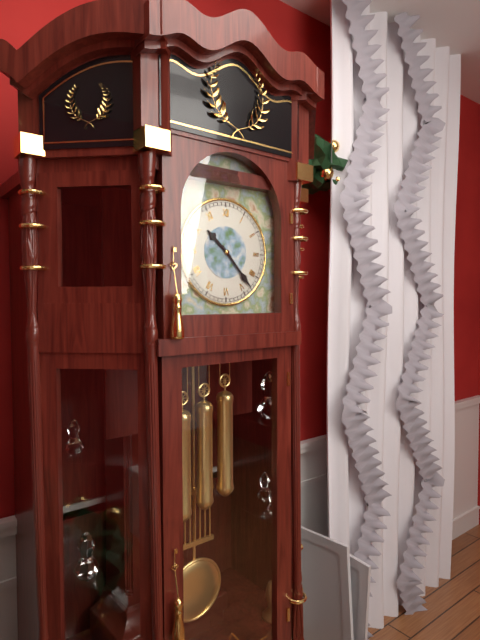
10,23
